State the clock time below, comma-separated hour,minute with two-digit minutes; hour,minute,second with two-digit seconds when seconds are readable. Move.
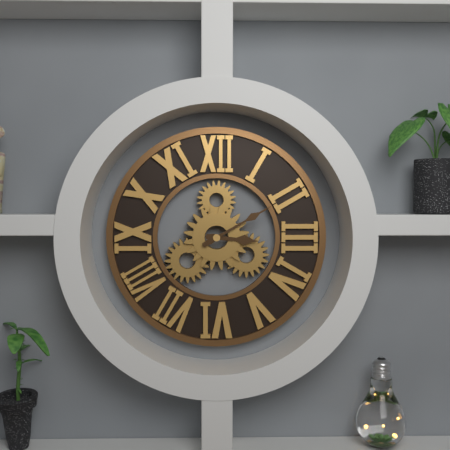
3,10
